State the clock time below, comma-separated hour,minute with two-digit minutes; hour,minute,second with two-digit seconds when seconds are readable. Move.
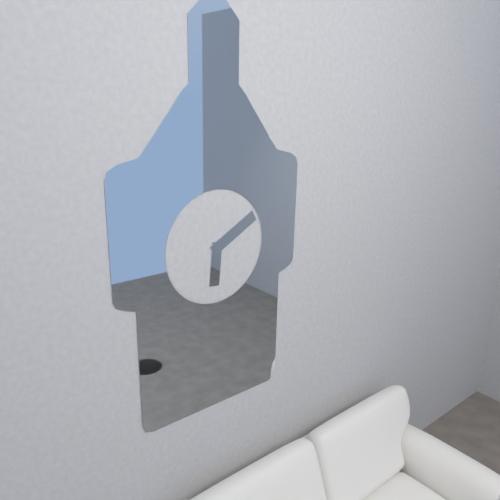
6,10
